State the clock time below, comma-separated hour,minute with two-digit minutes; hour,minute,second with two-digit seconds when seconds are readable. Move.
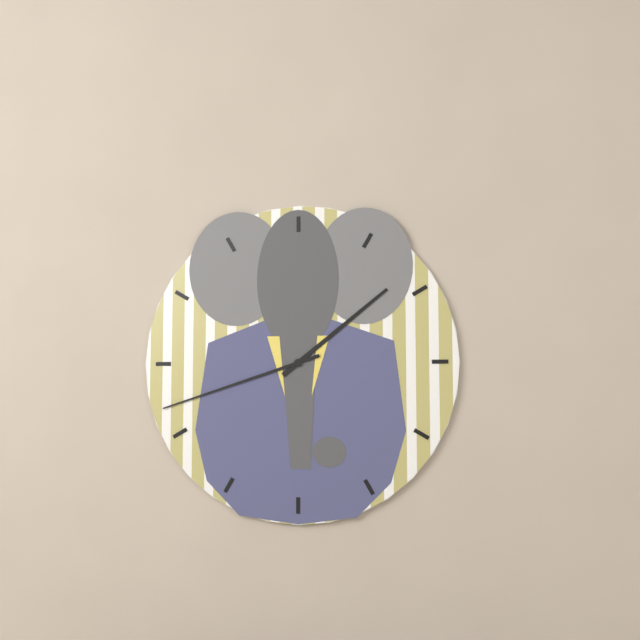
1,42
